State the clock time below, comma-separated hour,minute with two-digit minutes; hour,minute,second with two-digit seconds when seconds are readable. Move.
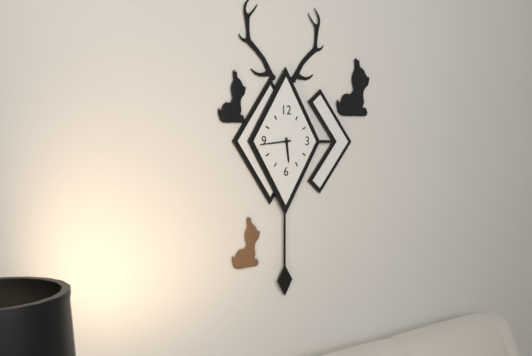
5,44
